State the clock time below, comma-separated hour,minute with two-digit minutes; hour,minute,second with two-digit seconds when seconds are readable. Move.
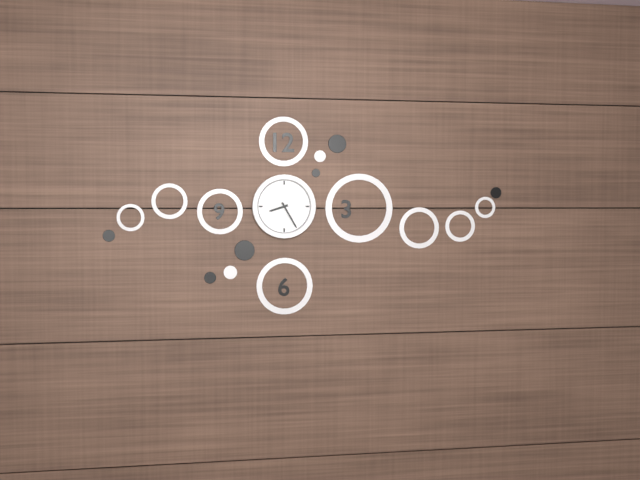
8,25
